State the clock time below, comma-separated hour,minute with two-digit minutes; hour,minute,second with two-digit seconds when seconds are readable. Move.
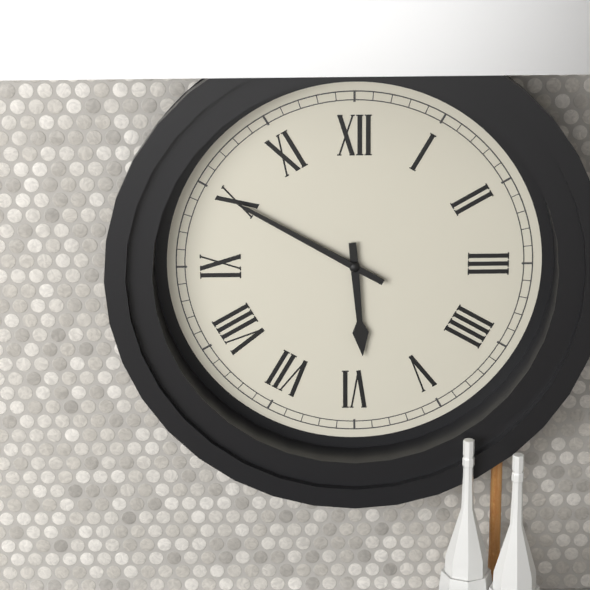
5,50
